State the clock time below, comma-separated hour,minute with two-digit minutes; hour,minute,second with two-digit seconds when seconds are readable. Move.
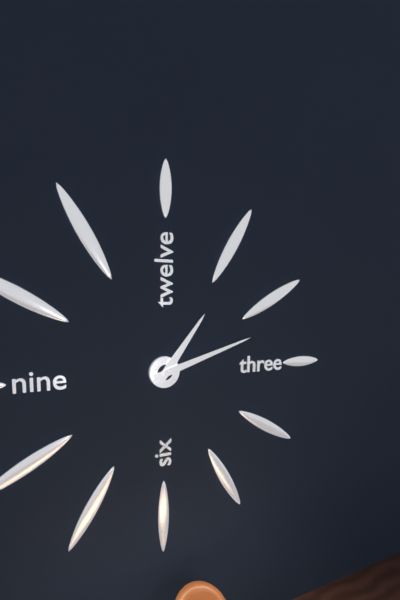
1,12
